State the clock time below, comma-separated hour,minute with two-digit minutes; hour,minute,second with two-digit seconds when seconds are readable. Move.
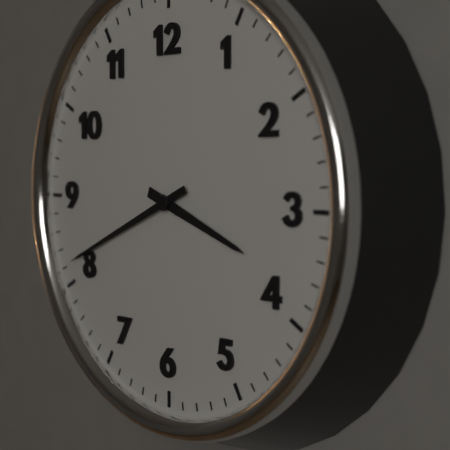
3,41
